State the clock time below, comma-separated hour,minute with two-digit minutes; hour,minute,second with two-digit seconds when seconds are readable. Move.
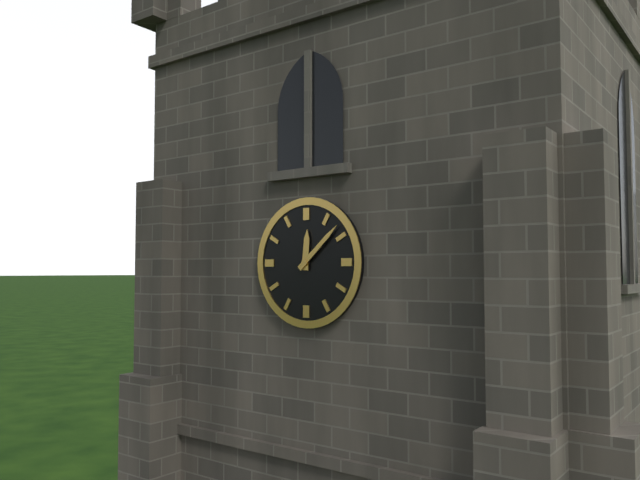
12,08
